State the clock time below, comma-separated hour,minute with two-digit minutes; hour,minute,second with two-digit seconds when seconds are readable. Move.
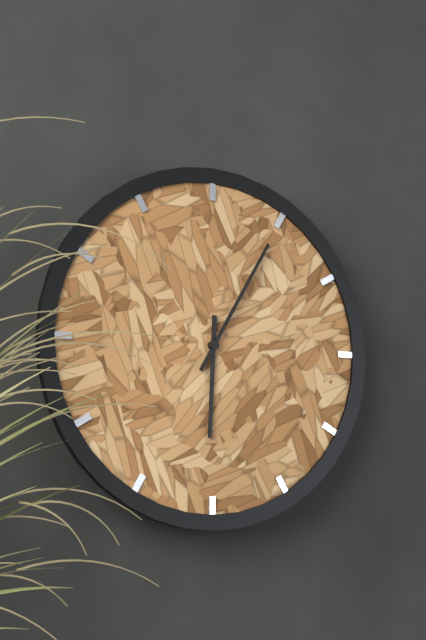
6,05
